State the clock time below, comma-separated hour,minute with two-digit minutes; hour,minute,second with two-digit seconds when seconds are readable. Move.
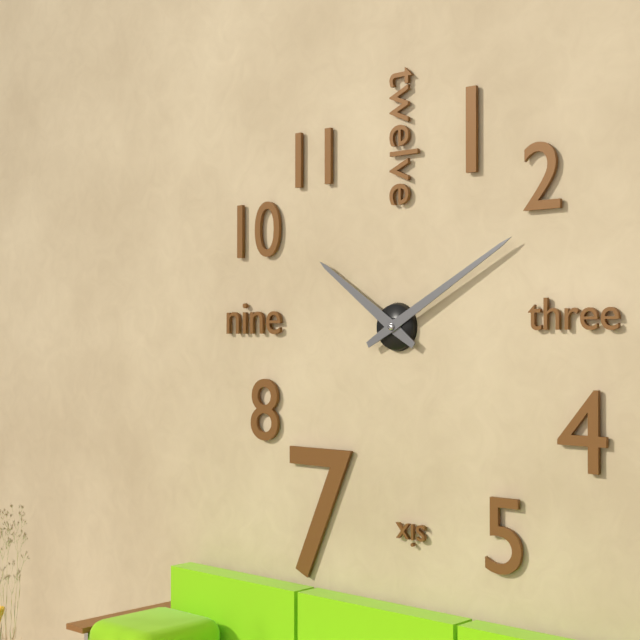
10,10
